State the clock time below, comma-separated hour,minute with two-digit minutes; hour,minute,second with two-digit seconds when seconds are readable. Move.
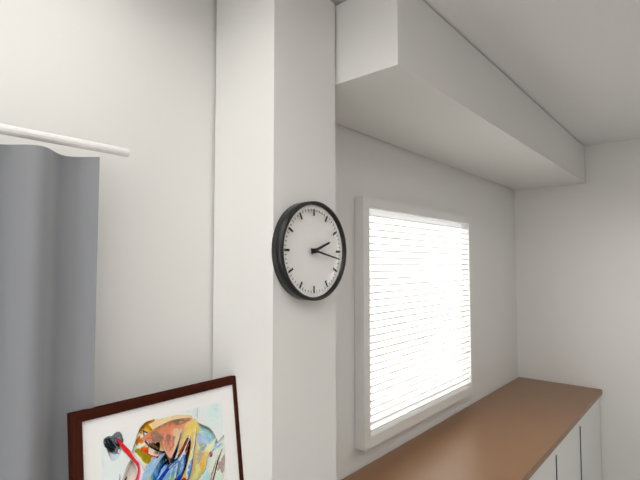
2,17
